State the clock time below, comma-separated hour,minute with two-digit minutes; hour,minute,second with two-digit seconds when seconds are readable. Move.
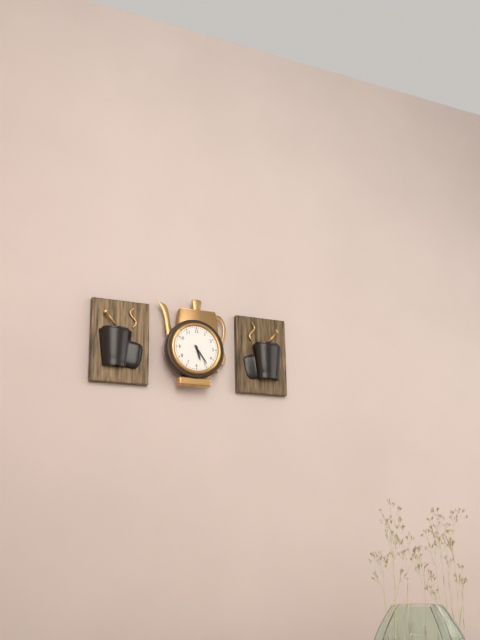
5,24
